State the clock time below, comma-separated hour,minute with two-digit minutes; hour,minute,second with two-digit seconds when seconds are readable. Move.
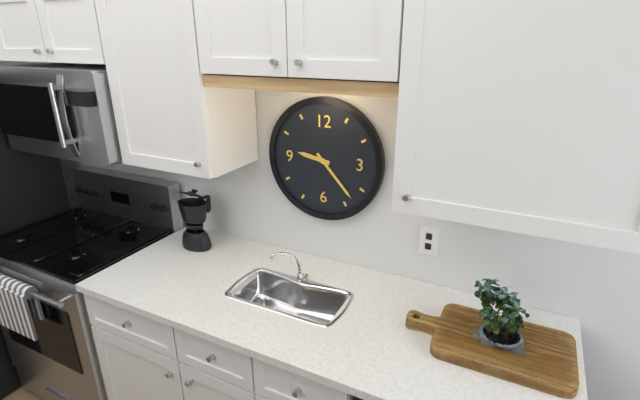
9,23
